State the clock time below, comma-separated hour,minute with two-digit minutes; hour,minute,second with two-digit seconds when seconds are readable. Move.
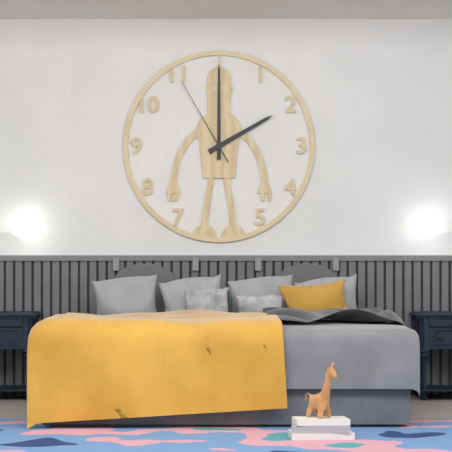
2,00,55
